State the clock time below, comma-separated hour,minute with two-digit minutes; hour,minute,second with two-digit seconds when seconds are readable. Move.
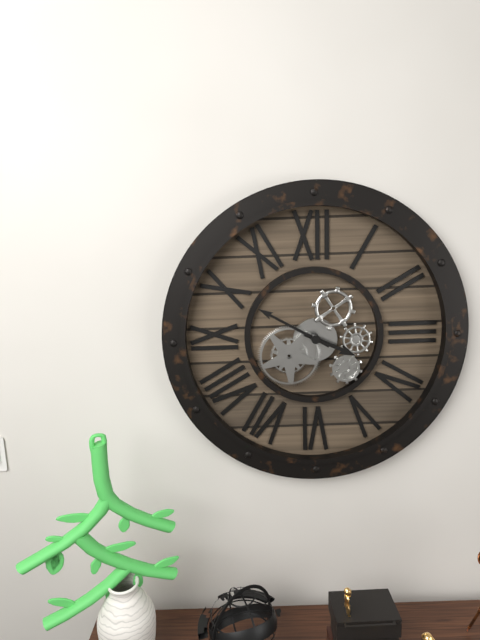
3,50
